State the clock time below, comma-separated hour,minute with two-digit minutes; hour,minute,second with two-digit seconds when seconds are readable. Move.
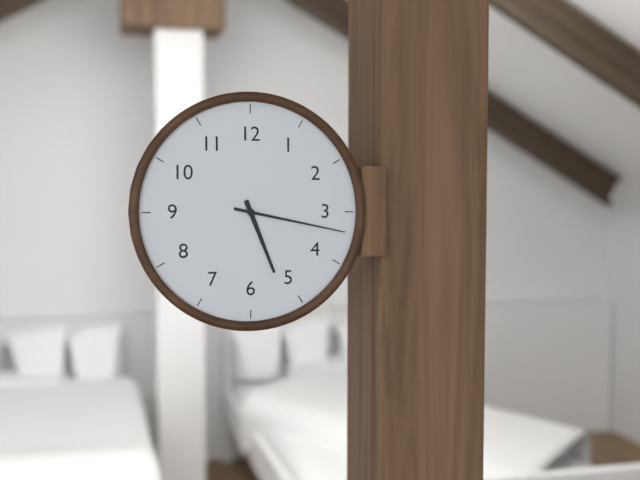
5,17
